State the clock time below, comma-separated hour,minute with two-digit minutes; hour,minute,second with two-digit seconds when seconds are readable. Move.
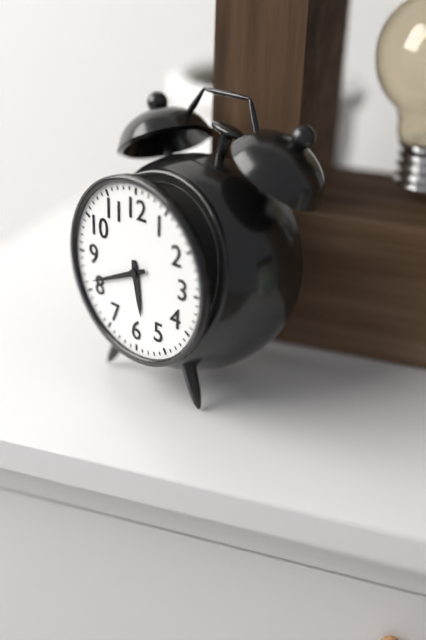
5,41
